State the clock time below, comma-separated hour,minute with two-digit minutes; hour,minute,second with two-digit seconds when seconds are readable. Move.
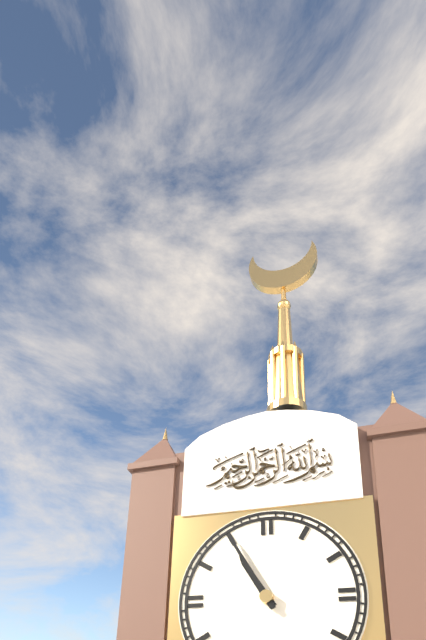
10,55
